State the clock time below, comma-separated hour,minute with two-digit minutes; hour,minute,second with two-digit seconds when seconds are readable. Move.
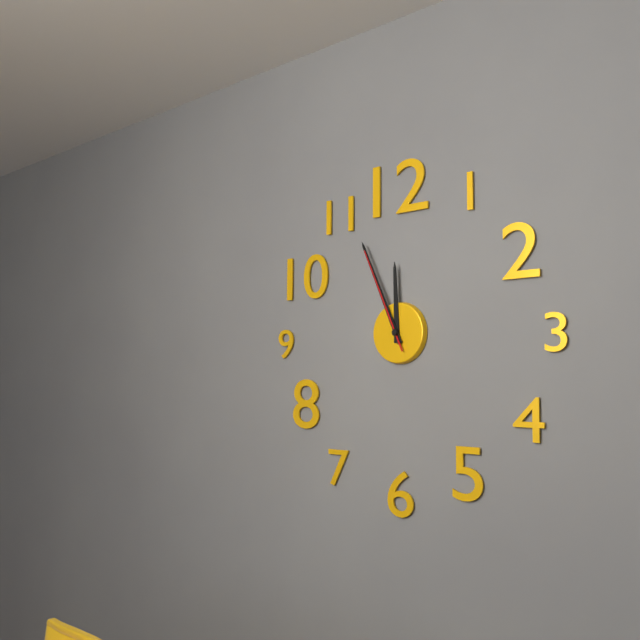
11,56,56
